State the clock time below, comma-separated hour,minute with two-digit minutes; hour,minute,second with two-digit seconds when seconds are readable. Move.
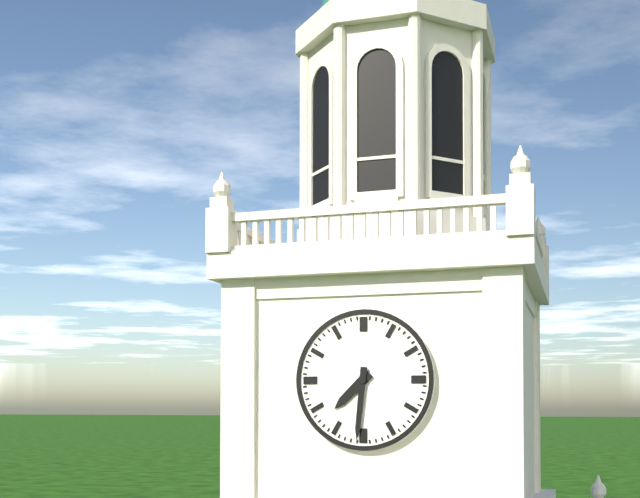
7,31
